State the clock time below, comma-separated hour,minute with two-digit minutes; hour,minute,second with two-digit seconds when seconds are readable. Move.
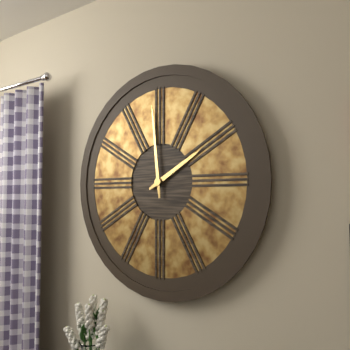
1,59
